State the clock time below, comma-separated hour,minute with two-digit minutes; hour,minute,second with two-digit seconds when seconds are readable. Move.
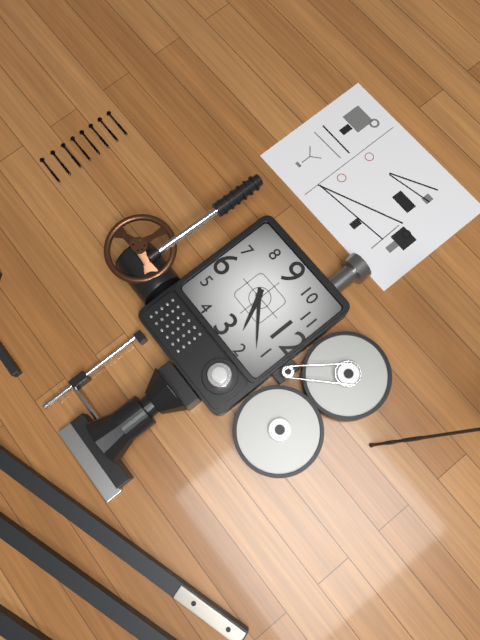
2,07
